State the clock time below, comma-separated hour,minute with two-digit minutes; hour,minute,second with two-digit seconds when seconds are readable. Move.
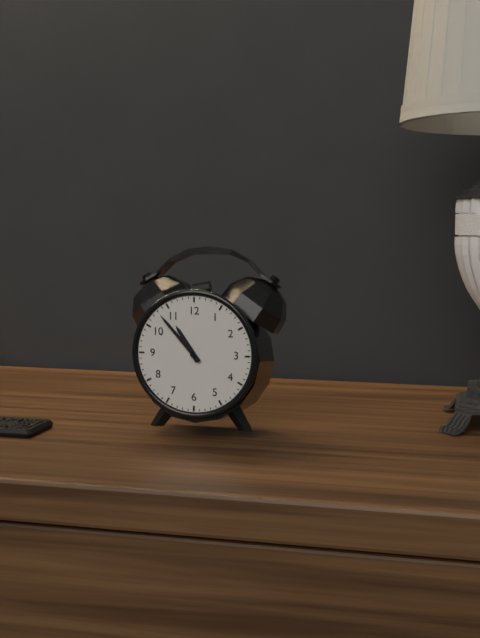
10,53
